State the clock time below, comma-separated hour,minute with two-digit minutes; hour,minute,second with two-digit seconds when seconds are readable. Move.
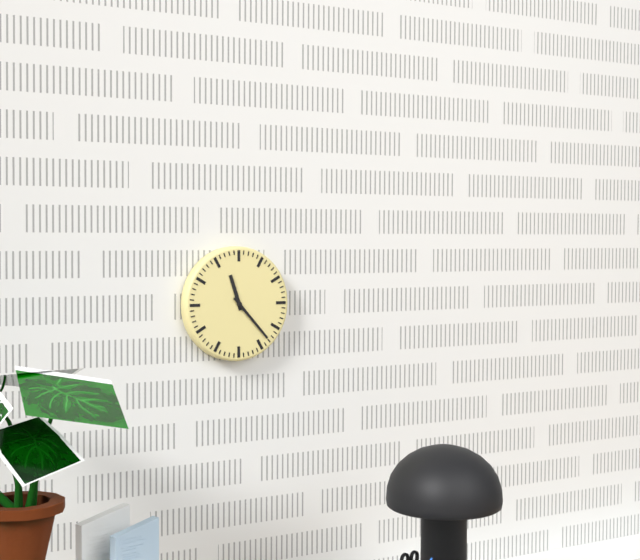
11,23
